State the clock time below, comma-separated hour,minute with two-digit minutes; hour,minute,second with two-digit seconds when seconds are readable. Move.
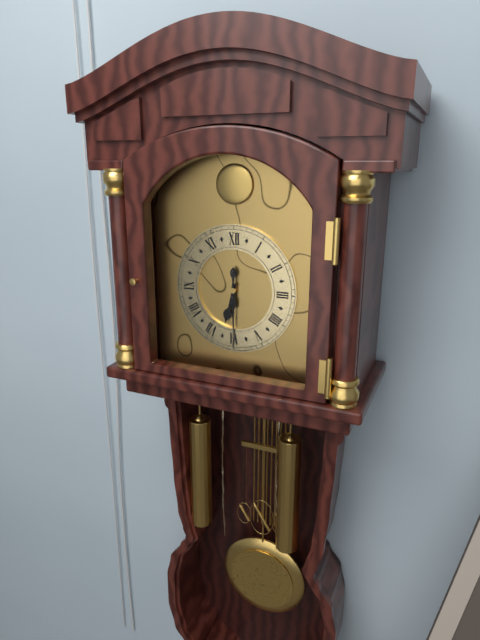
6,30
